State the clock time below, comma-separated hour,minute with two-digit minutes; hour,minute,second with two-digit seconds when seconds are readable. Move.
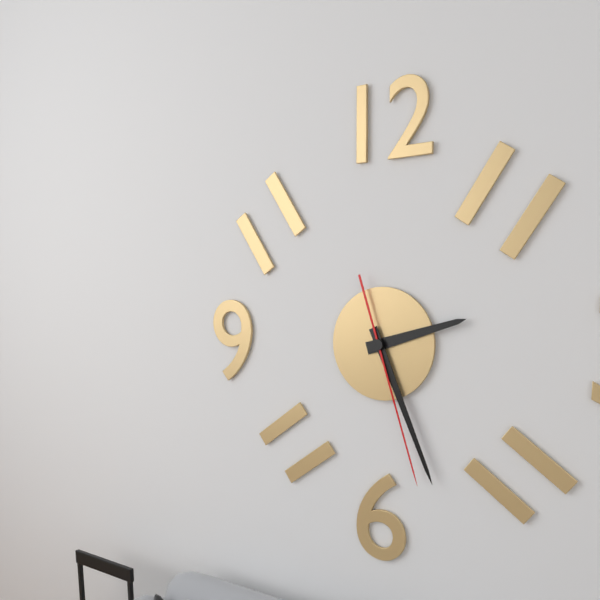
2,26,27
